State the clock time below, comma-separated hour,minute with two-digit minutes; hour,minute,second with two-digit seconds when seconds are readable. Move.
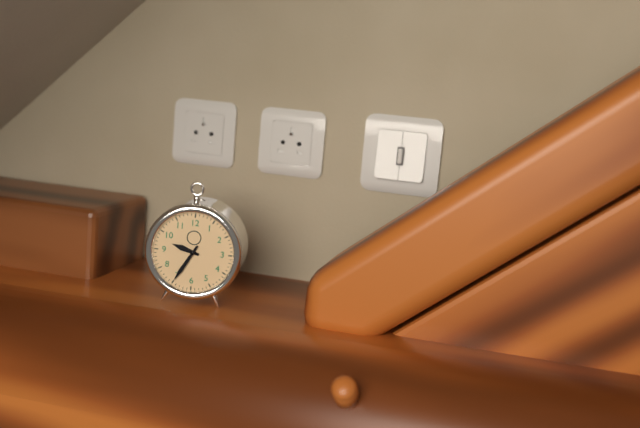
9,35
